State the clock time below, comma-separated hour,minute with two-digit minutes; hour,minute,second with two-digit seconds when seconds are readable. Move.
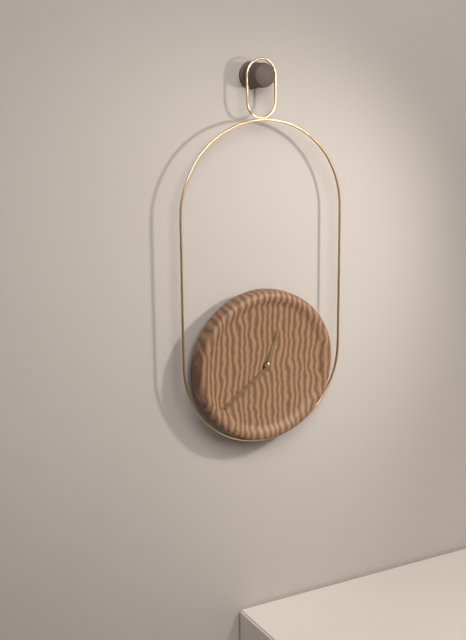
12,39
